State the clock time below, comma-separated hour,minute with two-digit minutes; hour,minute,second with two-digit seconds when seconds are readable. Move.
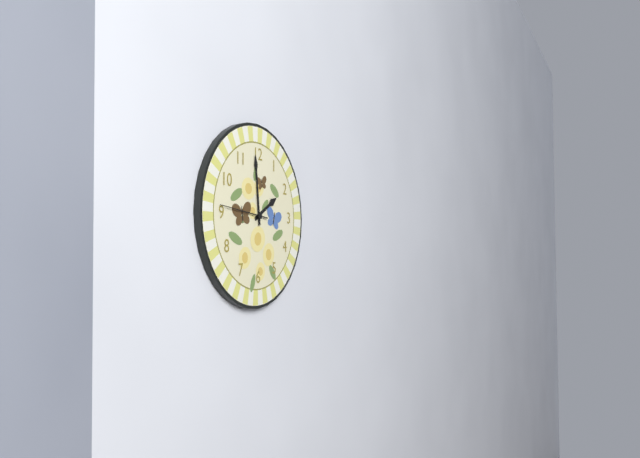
1,59,46
